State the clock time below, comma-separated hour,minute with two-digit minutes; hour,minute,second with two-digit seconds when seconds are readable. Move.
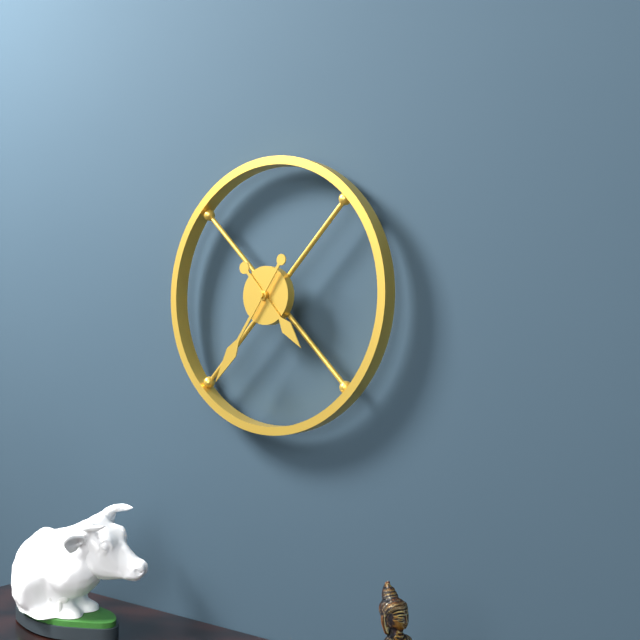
4,36
